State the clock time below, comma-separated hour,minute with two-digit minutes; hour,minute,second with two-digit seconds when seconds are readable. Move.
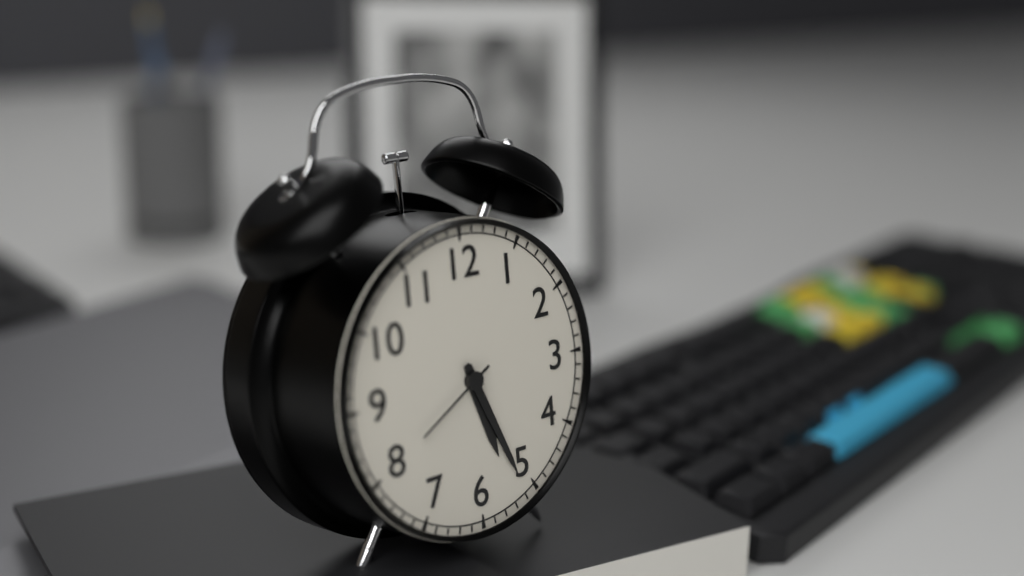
5,26,40
